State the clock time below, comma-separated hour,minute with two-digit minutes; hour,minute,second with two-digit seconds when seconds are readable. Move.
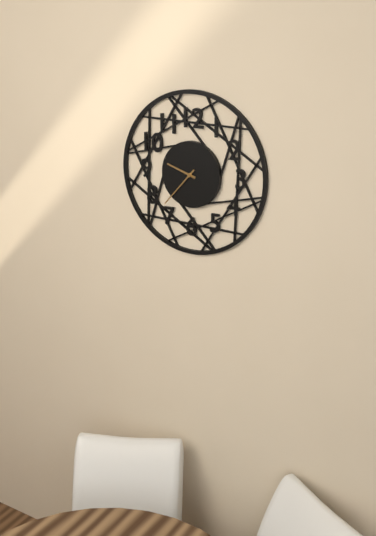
9,37
